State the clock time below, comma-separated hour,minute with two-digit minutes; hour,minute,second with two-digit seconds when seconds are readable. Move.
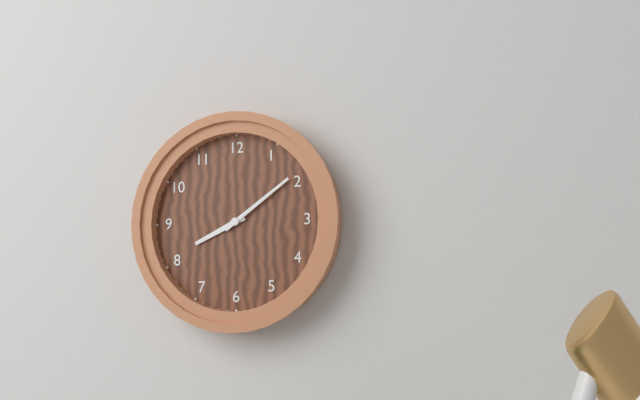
8,09
